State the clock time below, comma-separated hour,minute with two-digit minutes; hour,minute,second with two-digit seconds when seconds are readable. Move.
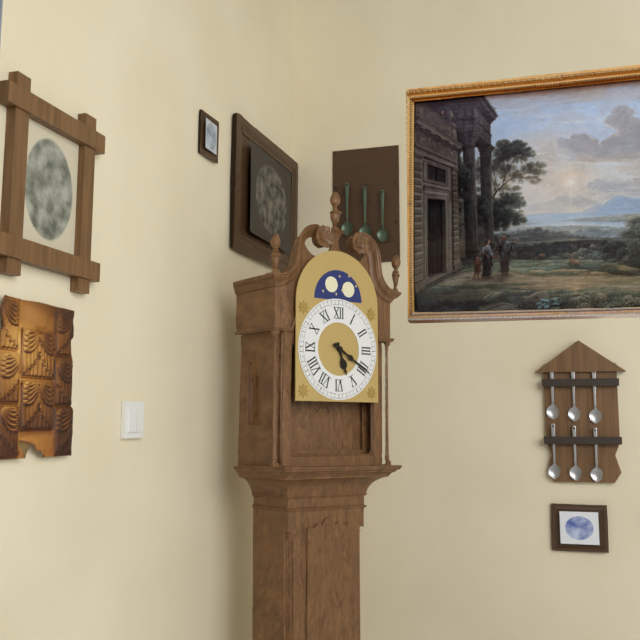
5,20
